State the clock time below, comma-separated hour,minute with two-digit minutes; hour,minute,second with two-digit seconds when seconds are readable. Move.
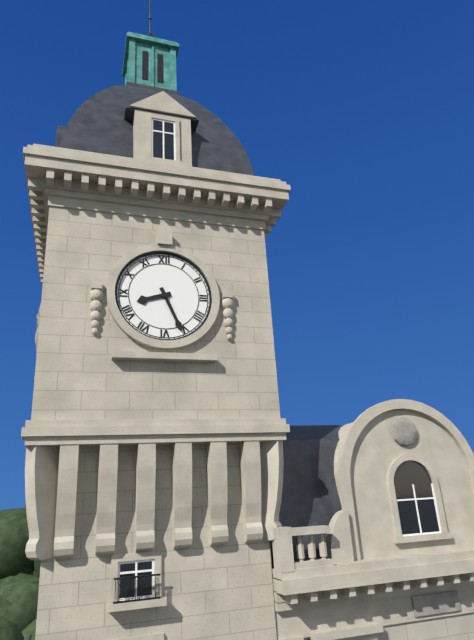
8,26
